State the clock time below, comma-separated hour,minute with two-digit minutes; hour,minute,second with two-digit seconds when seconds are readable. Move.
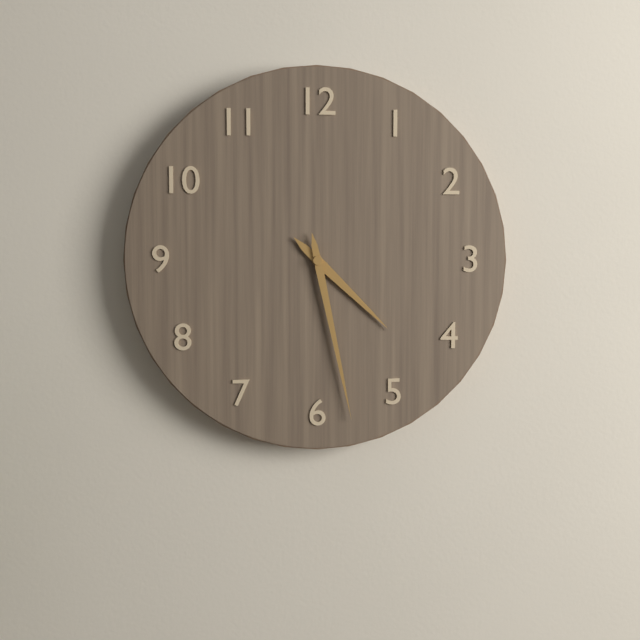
4,28
